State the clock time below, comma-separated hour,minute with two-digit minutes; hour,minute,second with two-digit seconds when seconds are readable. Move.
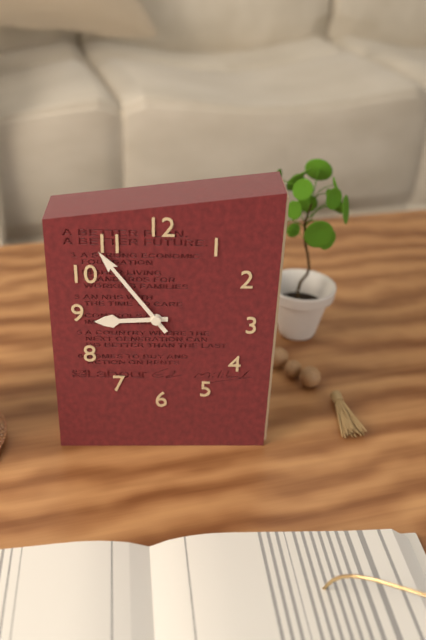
8,54
